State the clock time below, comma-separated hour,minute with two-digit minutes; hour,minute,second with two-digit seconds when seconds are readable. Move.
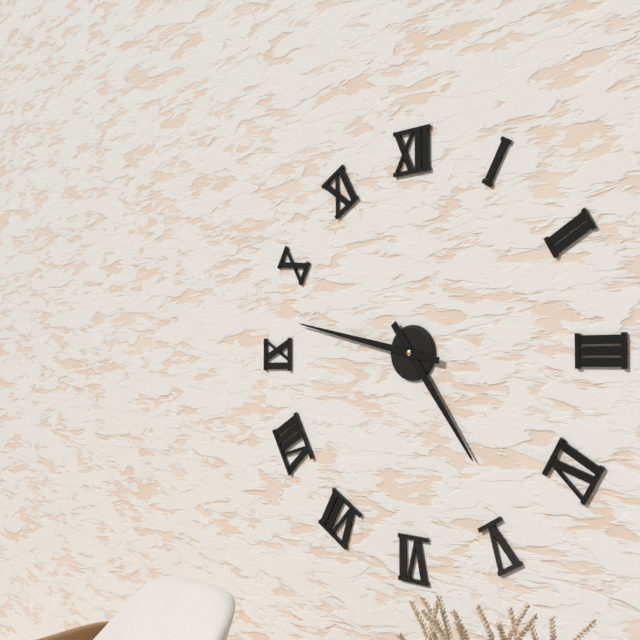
4,47
